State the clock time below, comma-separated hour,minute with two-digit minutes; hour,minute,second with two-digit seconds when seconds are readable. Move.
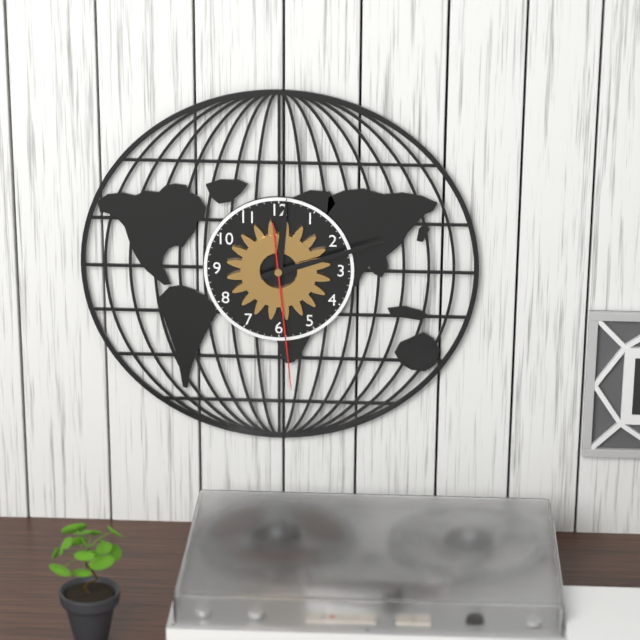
12,12,29
